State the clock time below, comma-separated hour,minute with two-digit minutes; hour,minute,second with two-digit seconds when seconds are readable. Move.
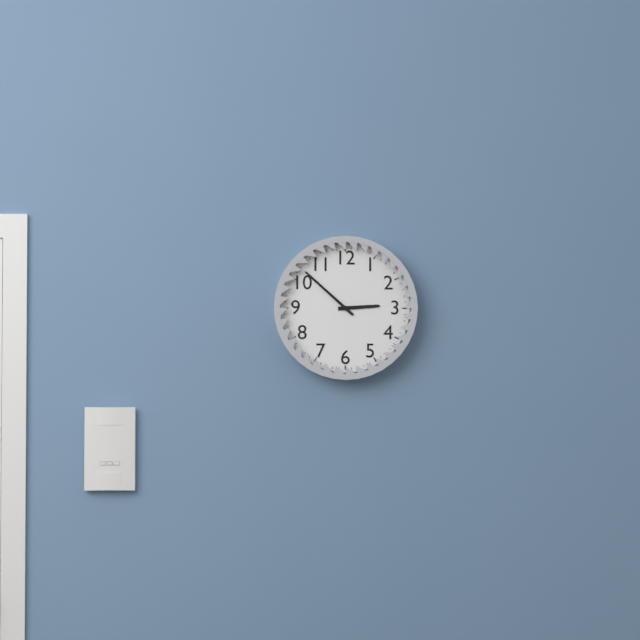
2,52
